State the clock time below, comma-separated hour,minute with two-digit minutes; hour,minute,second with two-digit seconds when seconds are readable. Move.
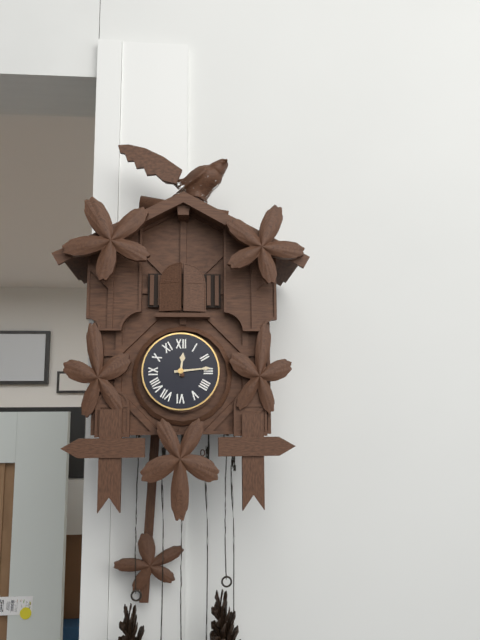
12,14
